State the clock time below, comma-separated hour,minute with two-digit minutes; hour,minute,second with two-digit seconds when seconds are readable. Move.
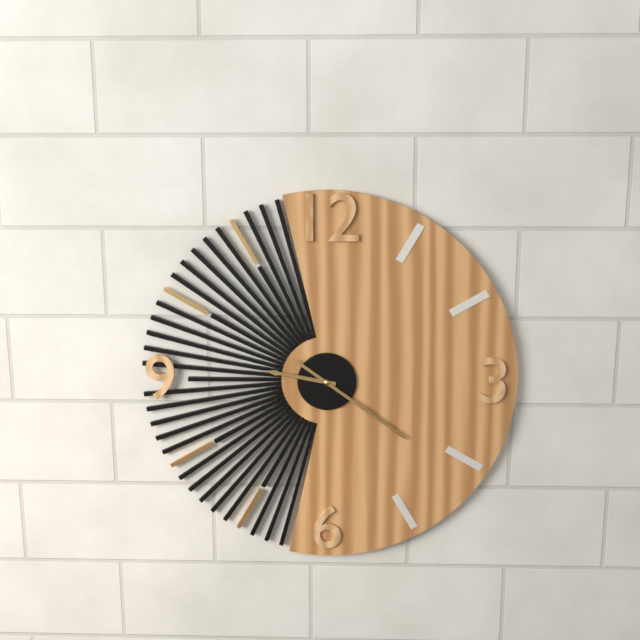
9,21
